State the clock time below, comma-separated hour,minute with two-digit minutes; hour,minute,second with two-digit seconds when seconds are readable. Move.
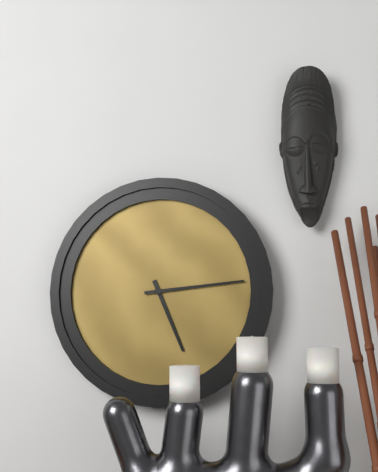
5,14
